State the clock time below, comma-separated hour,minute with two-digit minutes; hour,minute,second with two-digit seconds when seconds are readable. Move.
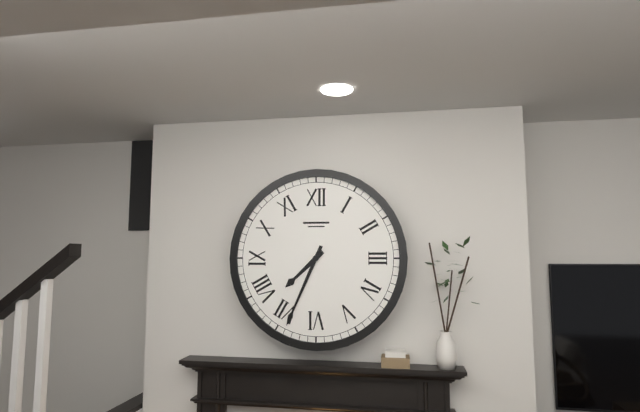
7,34
